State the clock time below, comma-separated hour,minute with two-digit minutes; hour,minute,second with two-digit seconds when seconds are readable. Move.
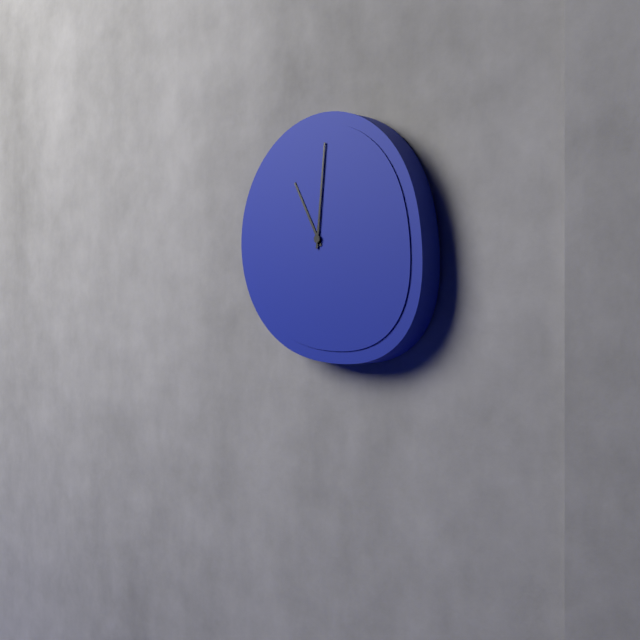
11,01
